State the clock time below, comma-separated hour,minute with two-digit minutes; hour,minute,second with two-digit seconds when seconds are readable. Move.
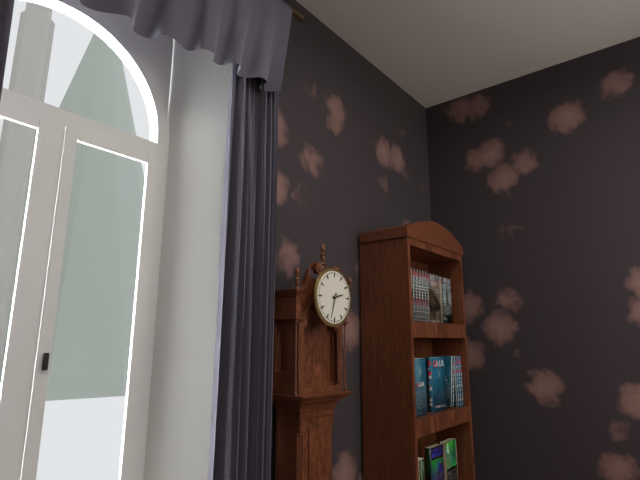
2,33
